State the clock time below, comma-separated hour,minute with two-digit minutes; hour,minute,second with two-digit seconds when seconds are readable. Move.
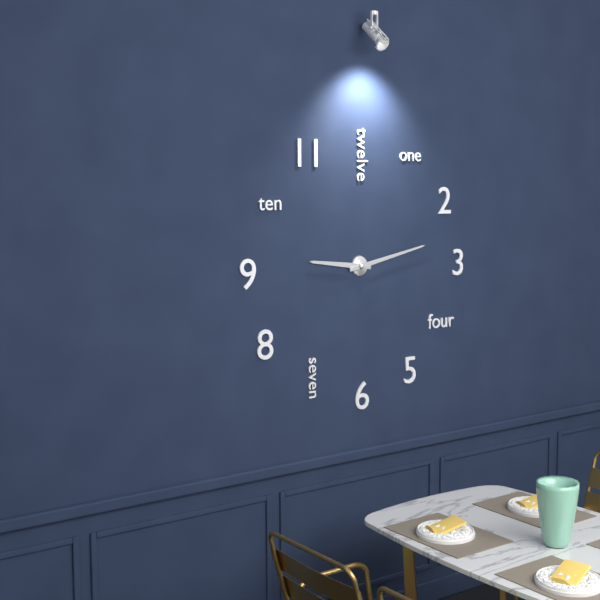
9,13
